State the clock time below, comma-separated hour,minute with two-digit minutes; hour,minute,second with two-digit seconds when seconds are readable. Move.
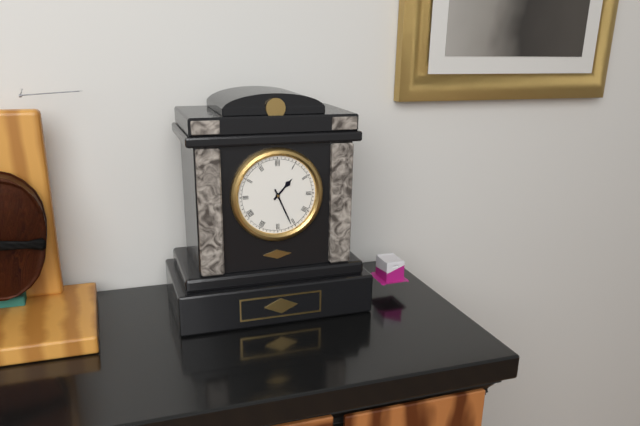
1,26
